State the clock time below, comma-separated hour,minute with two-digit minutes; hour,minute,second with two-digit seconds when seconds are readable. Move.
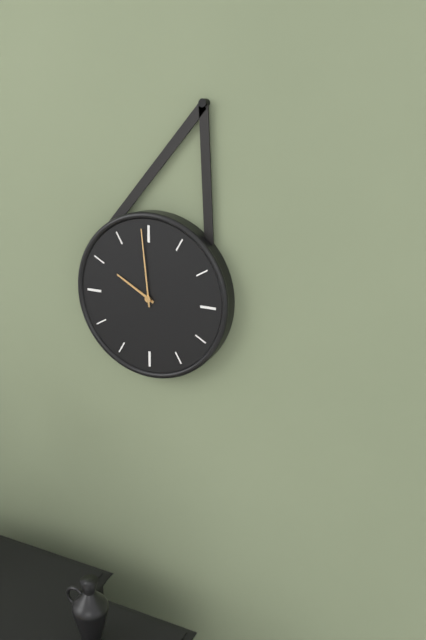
9,59
